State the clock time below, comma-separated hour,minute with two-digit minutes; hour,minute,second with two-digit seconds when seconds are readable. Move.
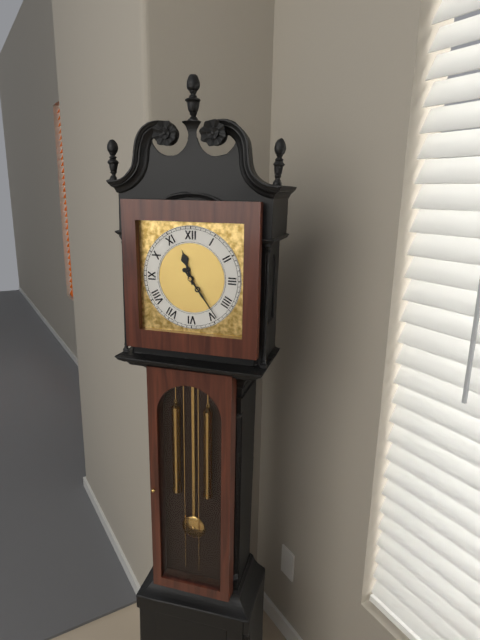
11,24
